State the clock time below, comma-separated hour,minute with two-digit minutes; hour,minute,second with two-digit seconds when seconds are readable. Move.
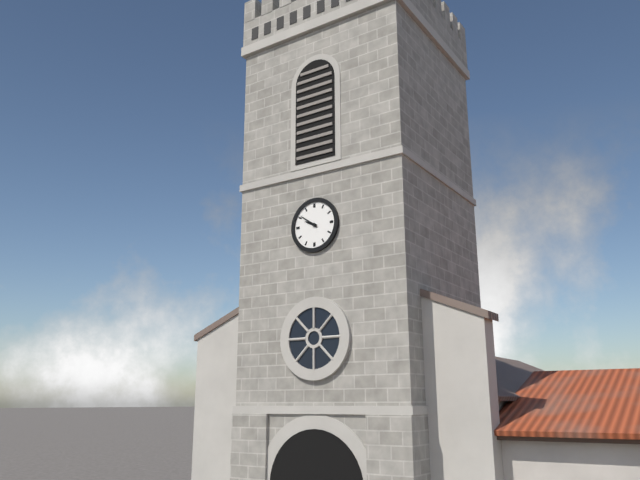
9,51
